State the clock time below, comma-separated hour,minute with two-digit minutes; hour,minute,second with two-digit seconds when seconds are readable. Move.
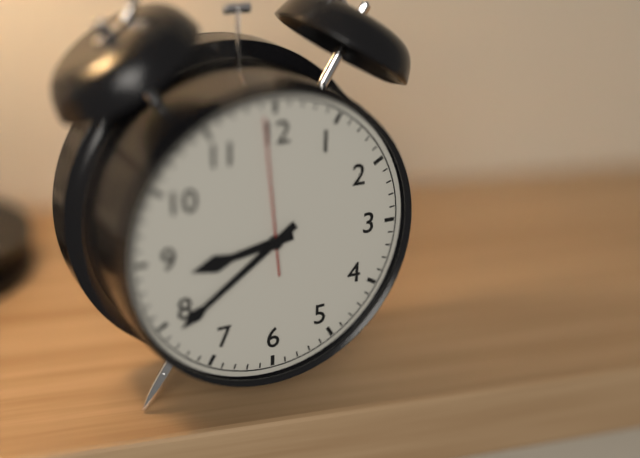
8,39,59
